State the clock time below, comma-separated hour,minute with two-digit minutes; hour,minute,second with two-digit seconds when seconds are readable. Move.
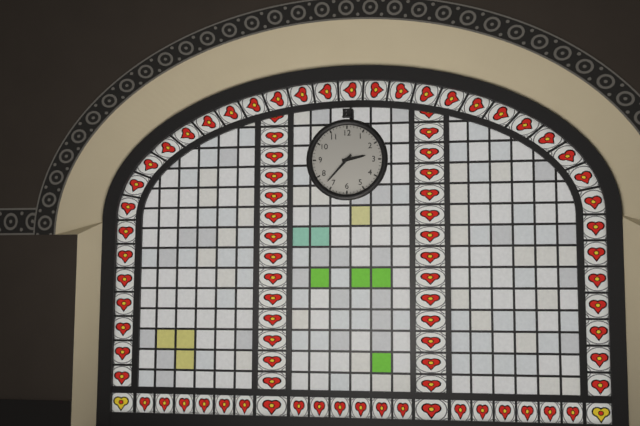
2,37
